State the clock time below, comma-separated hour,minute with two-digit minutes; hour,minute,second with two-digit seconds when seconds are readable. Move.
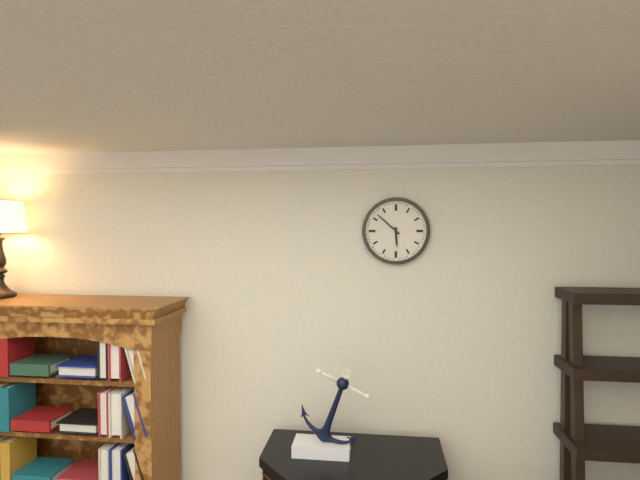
5,52
